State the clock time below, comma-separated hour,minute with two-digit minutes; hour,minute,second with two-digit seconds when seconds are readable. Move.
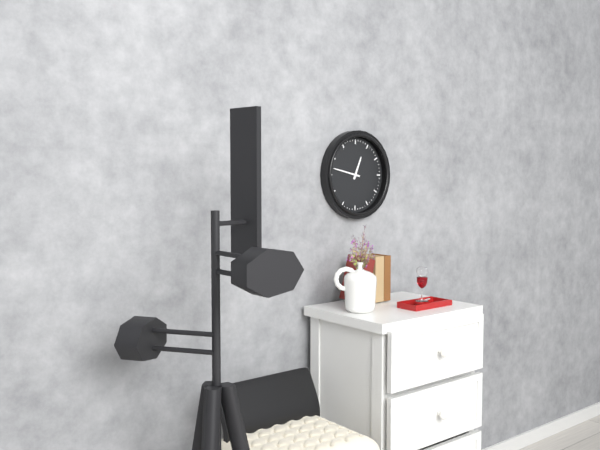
12,47
